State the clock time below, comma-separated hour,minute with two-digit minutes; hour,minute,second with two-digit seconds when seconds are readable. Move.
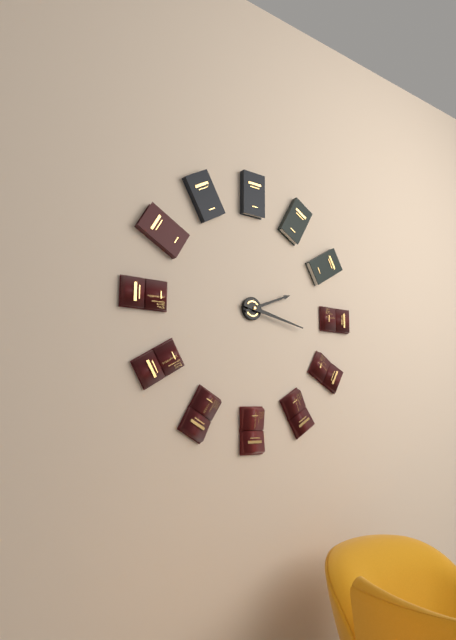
2,17
